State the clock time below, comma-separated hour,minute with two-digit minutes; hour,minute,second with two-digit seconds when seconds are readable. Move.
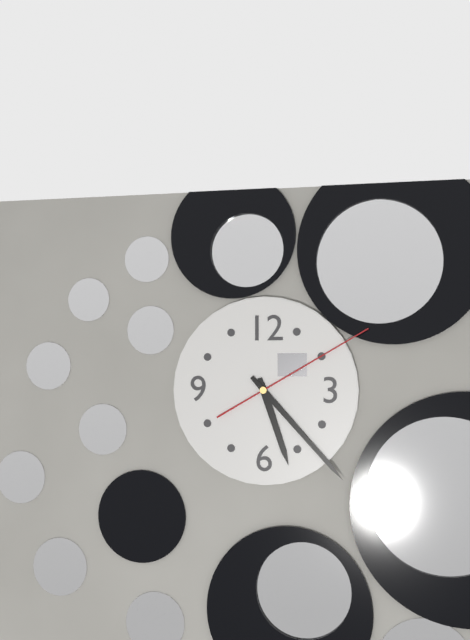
5,23,10
